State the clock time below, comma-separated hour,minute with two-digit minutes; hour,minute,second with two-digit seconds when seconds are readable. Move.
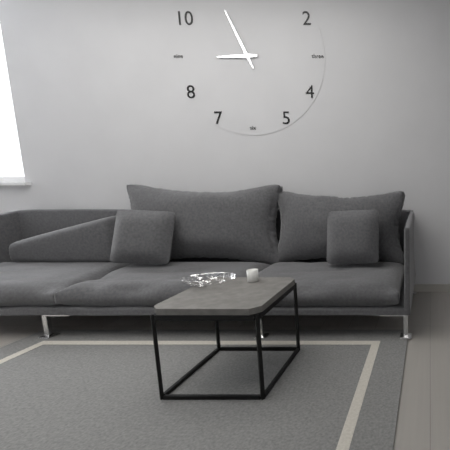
8,56
